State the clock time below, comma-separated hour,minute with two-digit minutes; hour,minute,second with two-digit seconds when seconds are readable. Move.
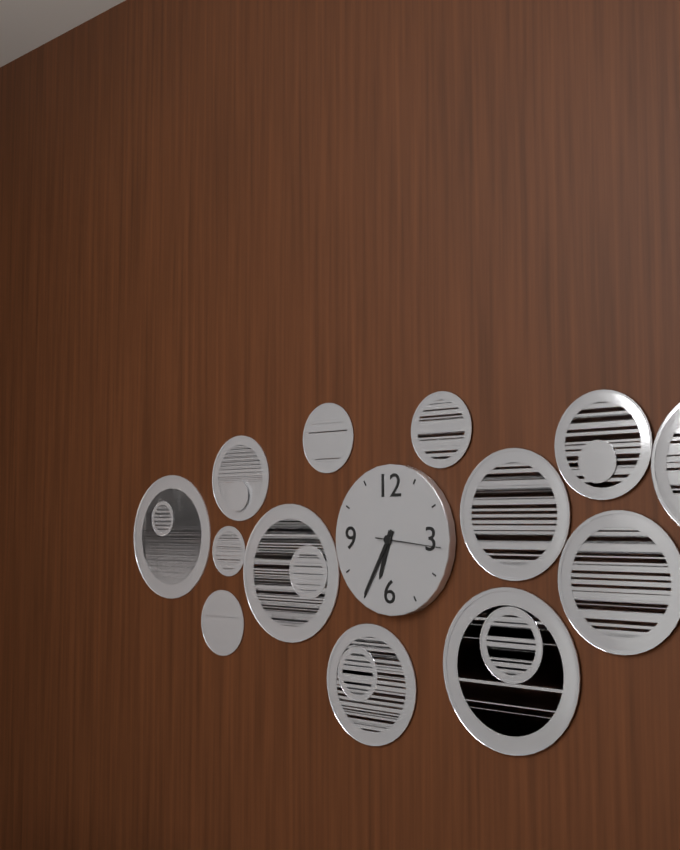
6,35,16
